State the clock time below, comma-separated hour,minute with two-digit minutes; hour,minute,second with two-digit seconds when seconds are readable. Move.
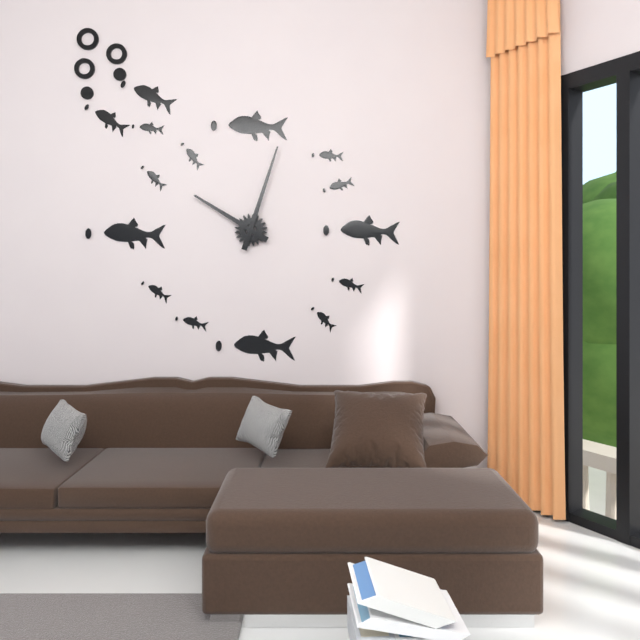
10,03
